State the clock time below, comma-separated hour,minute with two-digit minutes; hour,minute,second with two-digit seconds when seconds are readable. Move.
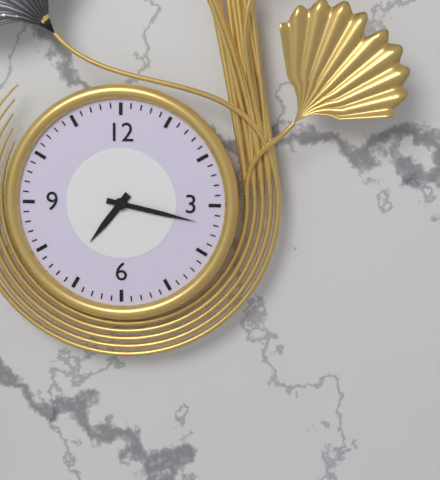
7,17
